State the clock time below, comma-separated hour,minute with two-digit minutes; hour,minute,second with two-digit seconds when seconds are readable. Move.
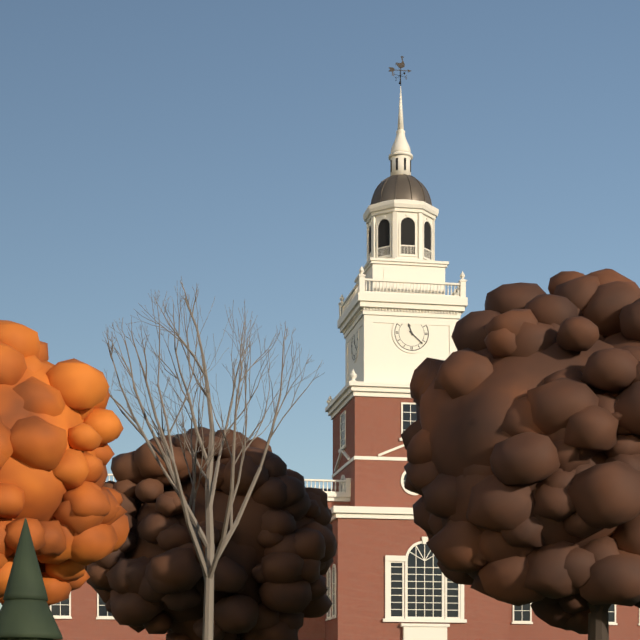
11,22
